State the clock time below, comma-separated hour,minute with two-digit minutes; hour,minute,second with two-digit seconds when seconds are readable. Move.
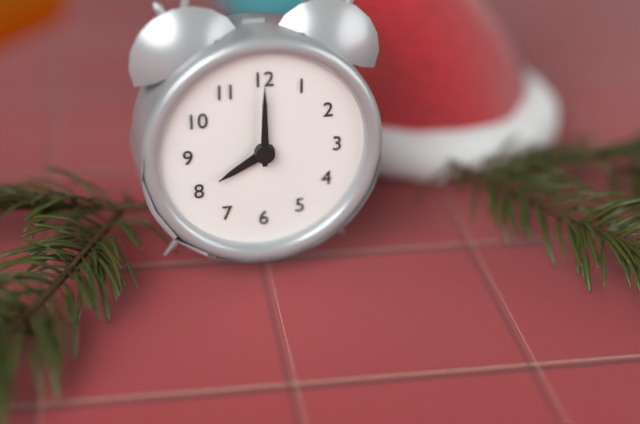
8,00
